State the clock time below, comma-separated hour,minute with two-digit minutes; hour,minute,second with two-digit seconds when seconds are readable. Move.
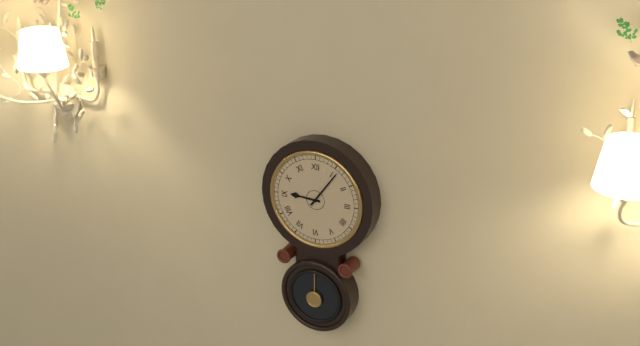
9,06
